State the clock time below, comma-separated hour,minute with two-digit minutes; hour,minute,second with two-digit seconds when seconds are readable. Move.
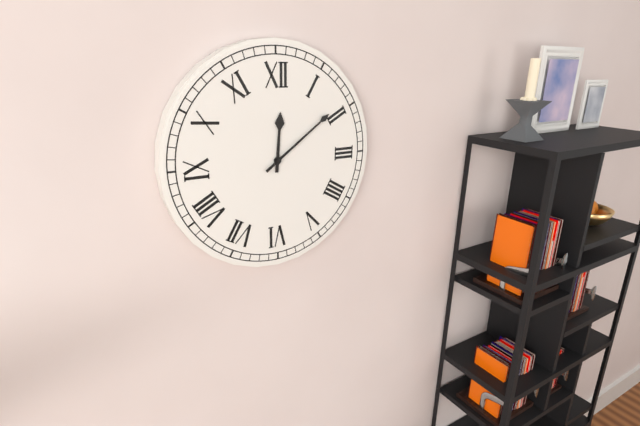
12,09
